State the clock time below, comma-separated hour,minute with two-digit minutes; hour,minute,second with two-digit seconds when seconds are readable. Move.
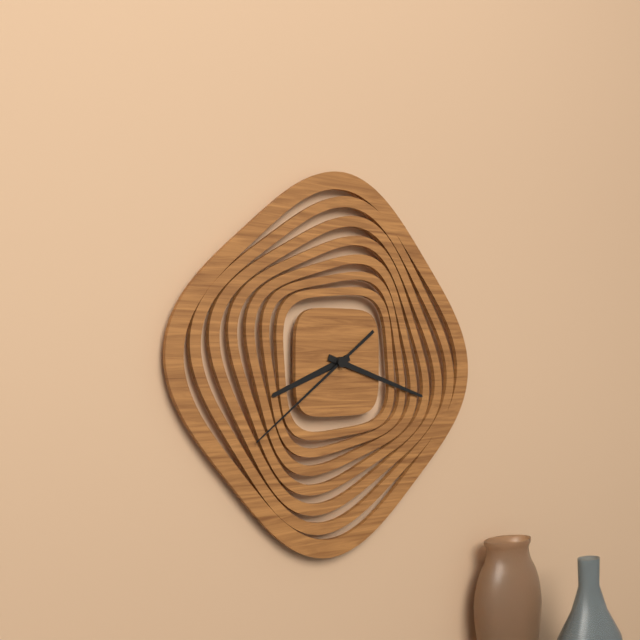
8,18,39
